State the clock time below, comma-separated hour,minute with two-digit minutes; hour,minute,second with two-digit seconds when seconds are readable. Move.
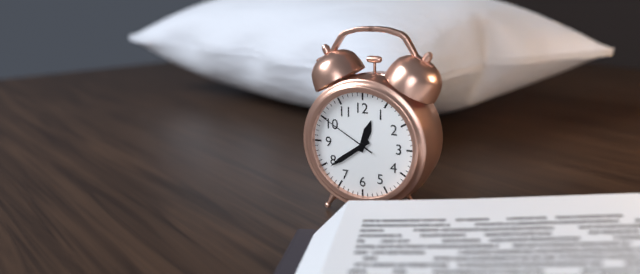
12,39,50
